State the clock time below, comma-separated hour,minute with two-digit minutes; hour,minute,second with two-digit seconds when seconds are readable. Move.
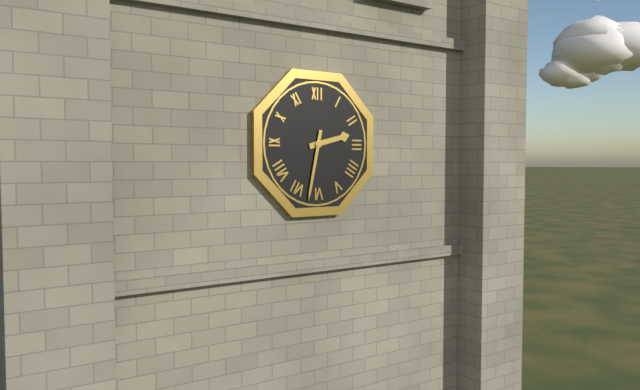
2,32
